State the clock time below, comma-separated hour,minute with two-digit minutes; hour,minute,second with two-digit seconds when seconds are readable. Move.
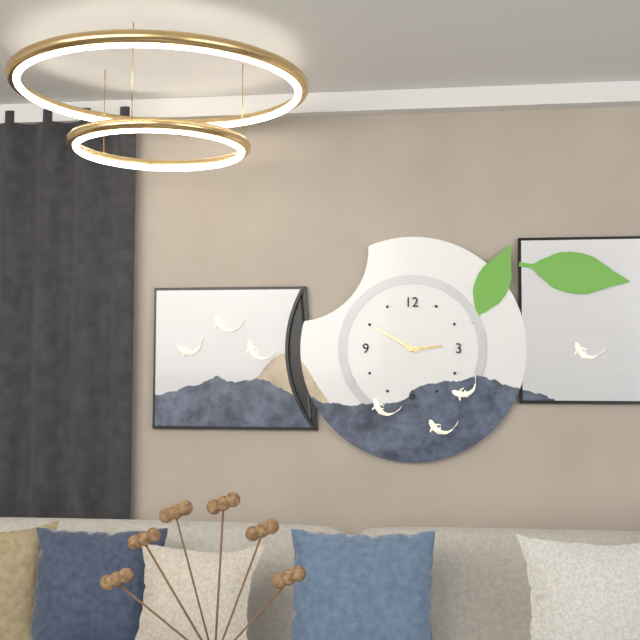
2,50
